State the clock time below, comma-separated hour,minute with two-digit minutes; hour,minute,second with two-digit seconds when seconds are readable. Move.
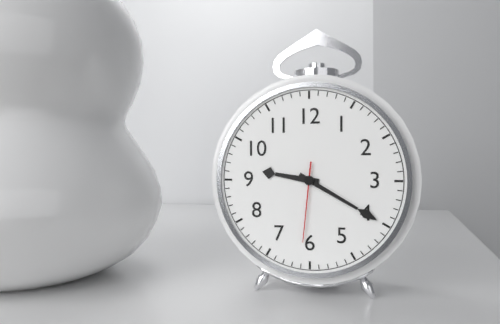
9,20,31
